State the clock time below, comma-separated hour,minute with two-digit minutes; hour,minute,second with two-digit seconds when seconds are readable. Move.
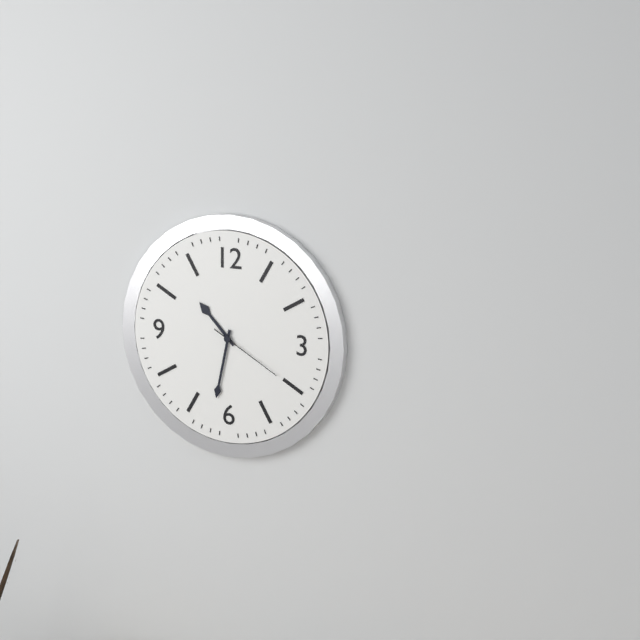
10,32,20
